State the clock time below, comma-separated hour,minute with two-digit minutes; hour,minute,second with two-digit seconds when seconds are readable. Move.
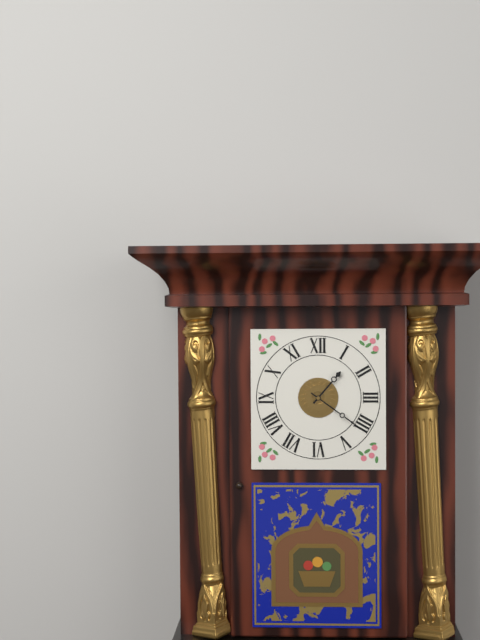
1,21
